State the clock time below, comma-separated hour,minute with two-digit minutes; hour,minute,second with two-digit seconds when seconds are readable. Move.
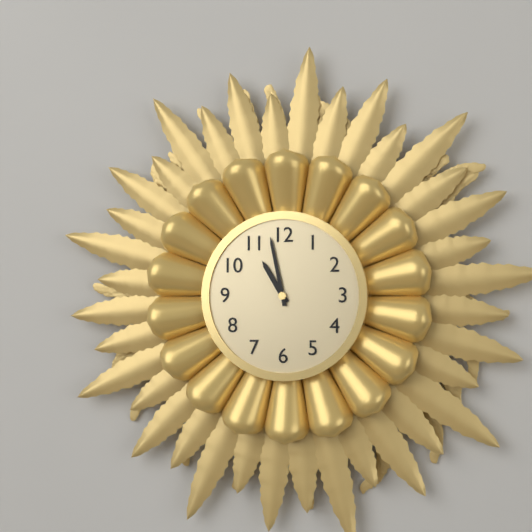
10,58
